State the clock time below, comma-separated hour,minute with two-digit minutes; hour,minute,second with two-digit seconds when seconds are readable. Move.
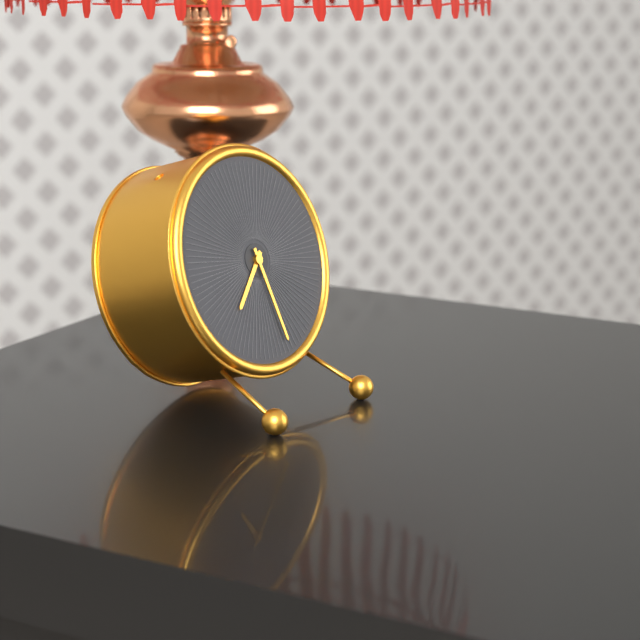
7,28
